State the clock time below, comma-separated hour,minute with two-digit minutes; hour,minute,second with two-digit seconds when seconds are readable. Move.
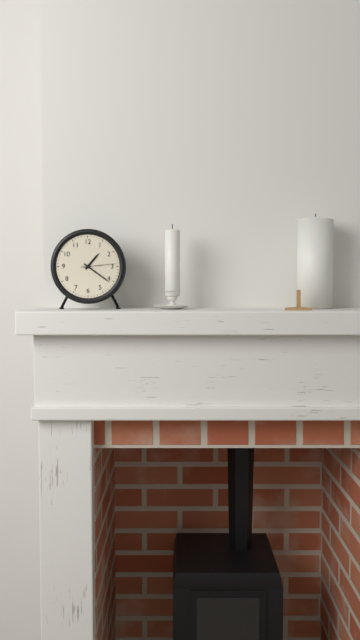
1,21
